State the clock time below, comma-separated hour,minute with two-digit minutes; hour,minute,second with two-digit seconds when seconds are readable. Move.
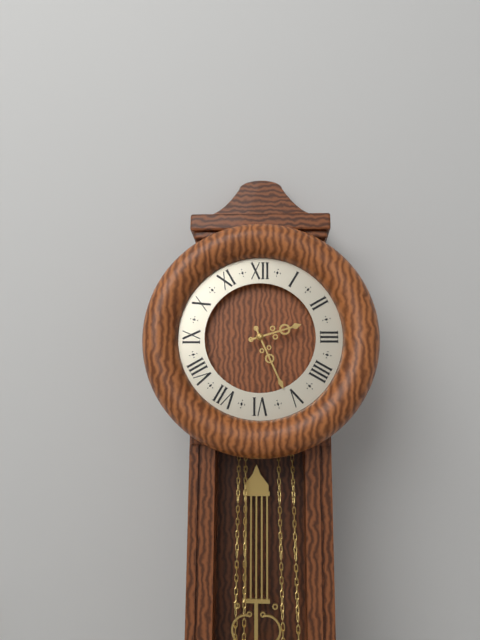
2,26
